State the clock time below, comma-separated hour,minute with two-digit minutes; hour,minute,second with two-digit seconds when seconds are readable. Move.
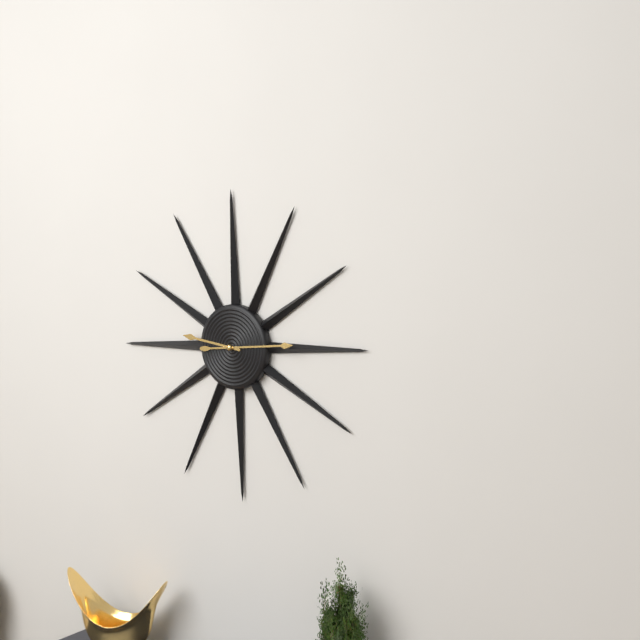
9,14
